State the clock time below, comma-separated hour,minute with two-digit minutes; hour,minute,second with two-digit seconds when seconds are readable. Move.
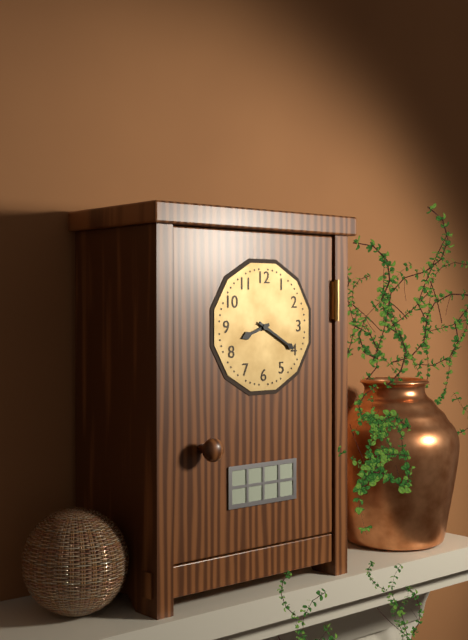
8,20
